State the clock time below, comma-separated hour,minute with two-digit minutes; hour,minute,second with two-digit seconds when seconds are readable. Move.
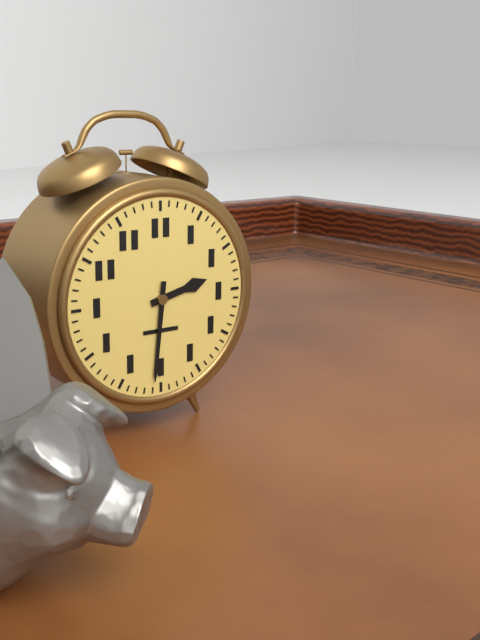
2,31
